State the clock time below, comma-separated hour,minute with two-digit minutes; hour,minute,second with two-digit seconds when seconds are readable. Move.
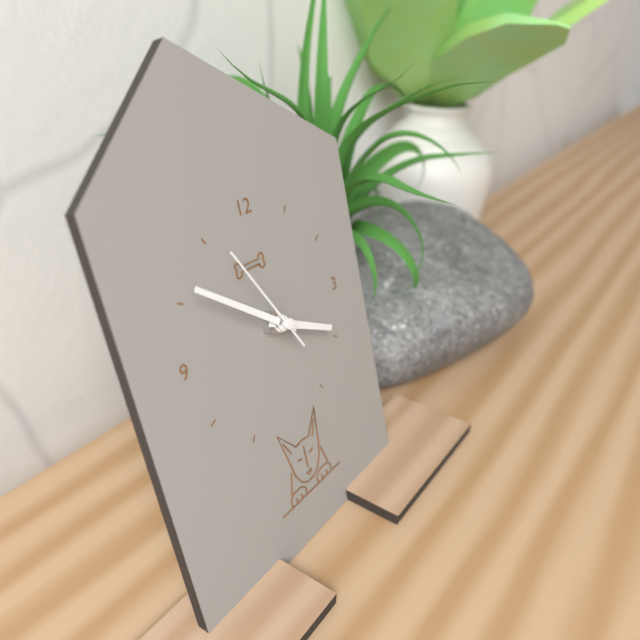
3,51,55
